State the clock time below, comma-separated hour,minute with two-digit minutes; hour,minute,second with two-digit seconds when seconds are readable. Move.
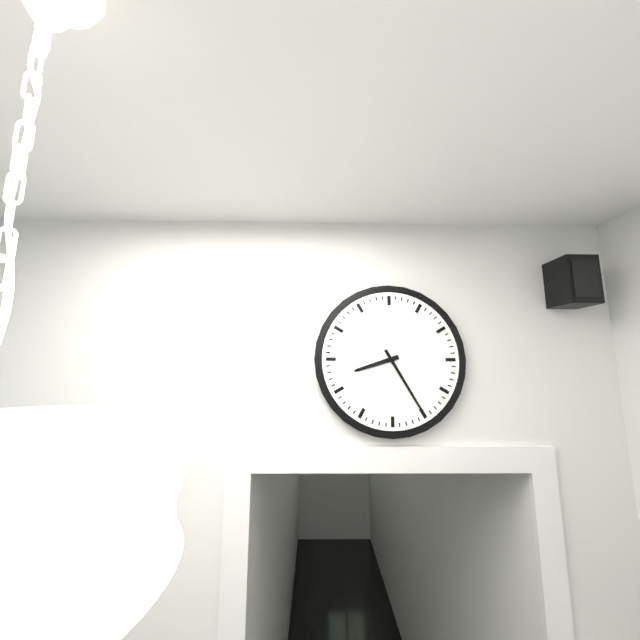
8,25
